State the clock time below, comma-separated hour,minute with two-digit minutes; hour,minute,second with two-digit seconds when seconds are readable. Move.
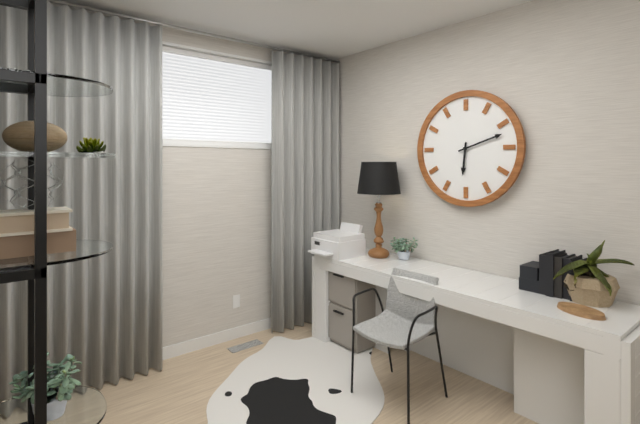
6,12
